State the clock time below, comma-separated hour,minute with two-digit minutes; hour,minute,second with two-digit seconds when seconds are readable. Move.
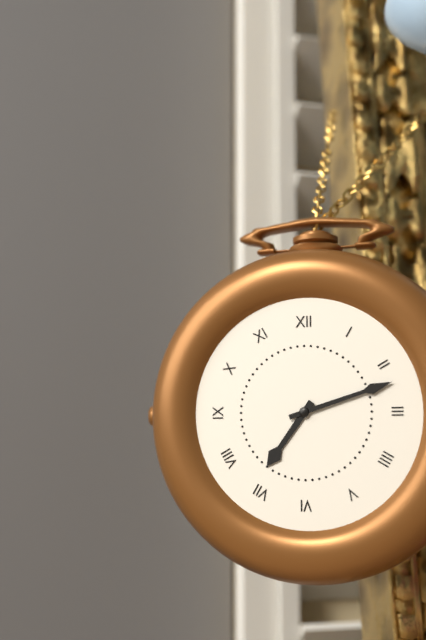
7,12
